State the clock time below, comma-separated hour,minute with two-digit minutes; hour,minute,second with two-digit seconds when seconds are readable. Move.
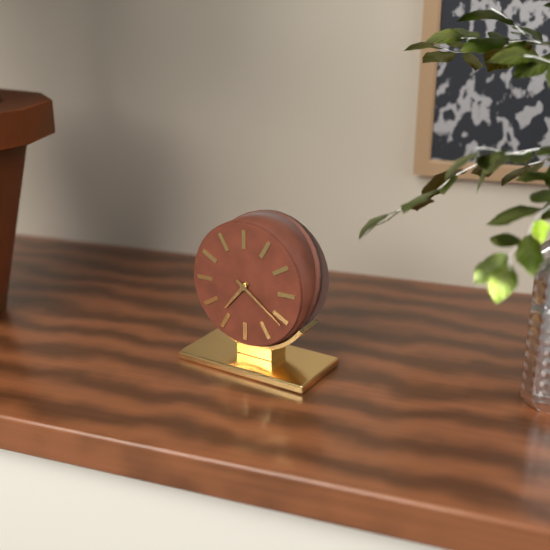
7,21
